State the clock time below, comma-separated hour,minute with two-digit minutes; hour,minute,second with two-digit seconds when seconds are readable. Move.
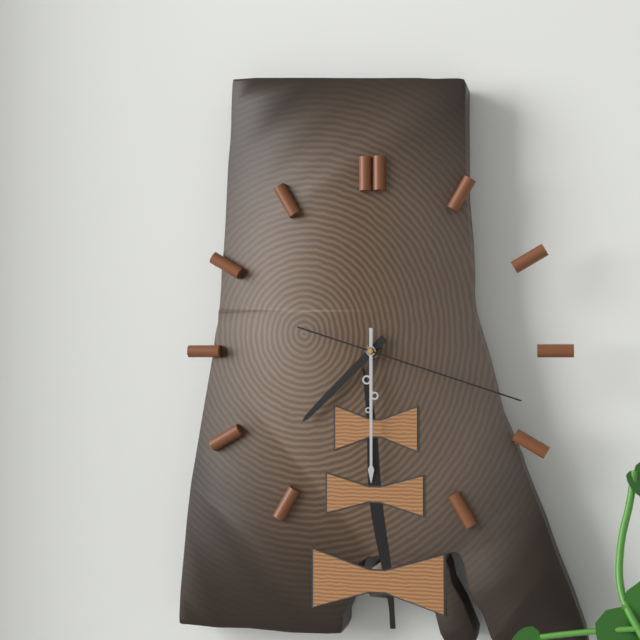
7,30,18
